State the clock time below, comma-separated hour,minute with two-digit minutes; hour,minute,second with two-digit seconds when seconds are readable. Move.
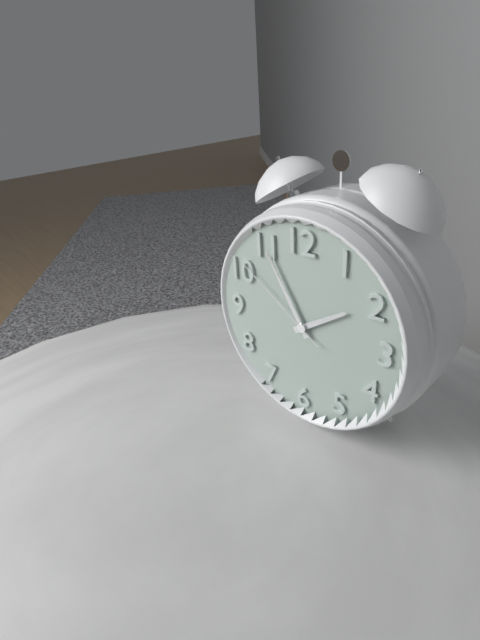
1,55,51
